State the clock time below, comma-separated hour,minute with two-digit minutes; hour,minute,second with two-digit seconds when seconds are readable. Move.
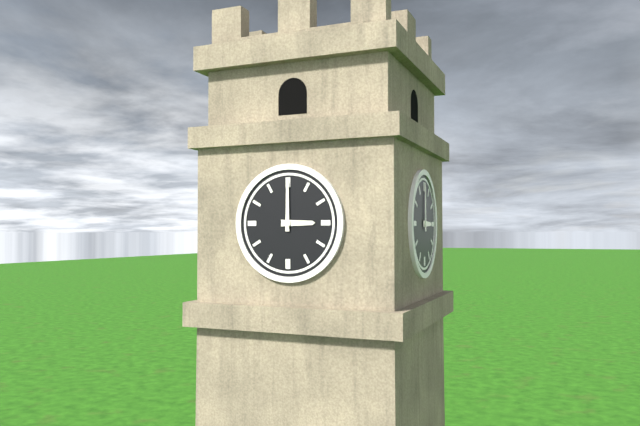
3,00
